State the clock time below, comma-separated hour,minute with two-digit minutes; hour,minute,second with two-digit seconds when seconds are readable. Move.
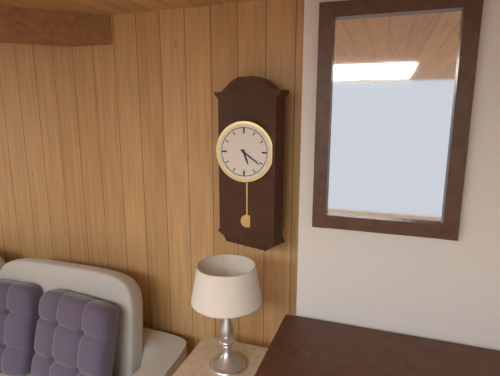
5,21
